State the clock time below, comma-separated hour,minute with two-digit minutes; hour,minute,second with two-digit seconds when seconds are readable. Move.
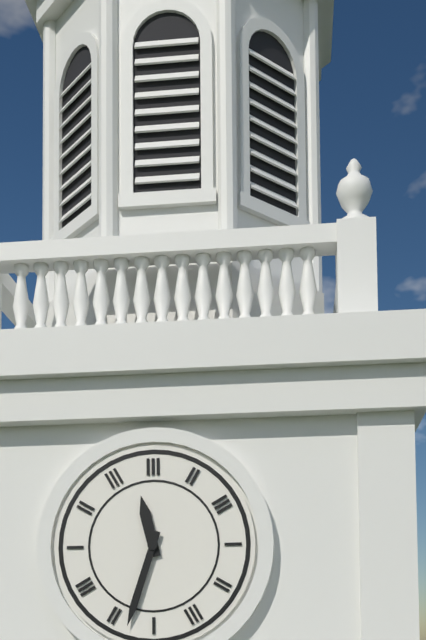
11,33
